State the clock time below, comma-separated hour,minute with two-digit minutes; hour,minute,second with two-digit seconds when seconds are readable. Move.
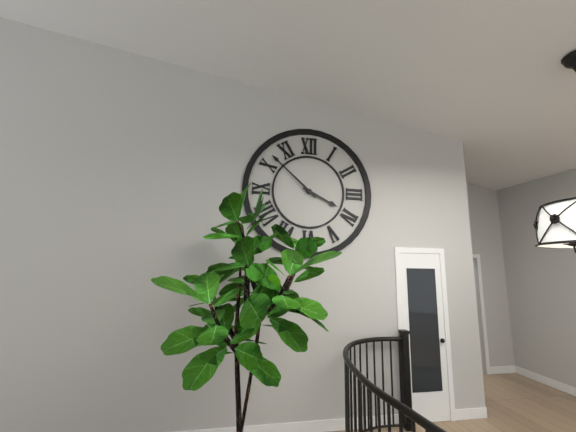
3,52
